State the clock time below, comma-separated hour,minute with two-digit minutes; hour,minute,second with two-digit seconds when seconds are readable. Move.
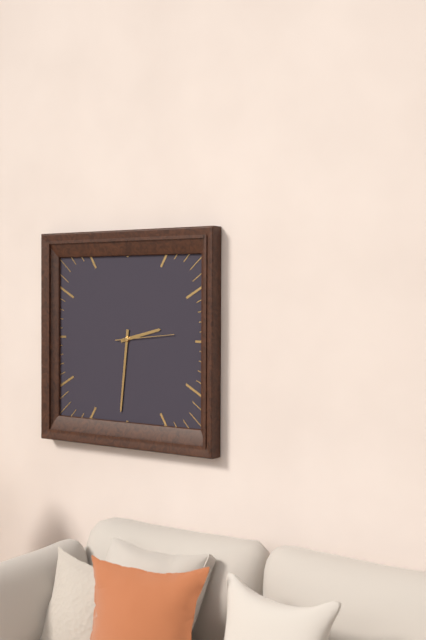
2,31,14
